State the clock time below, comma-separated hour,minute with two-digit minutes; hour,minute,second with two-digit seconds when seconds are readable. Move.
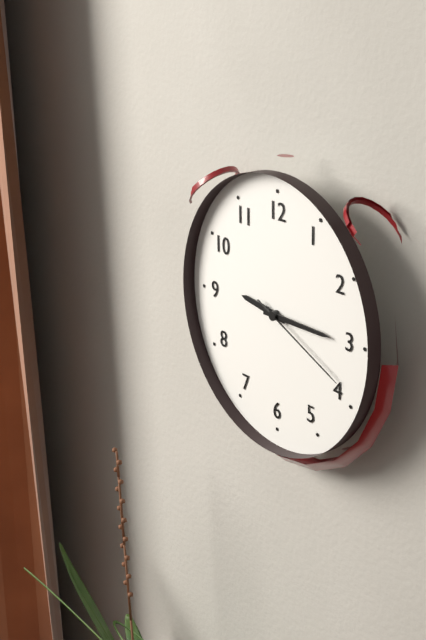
9,15,19
